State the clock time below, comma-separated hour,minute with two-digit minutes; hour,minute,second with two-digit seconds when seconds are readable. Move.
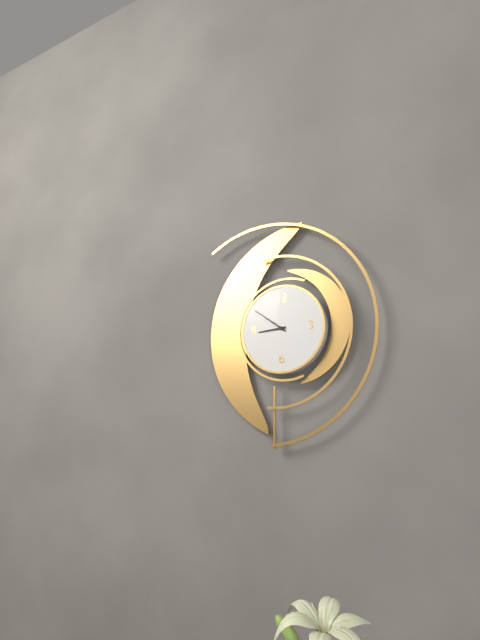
8,51
